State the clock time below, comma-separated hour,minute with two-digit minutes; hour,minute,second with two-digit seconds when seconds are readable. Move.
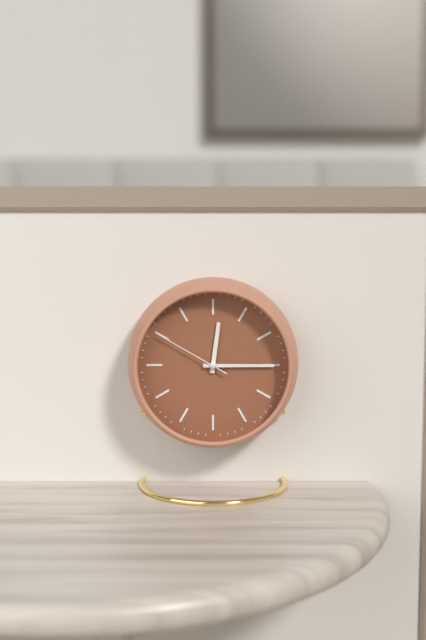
12,15,50
